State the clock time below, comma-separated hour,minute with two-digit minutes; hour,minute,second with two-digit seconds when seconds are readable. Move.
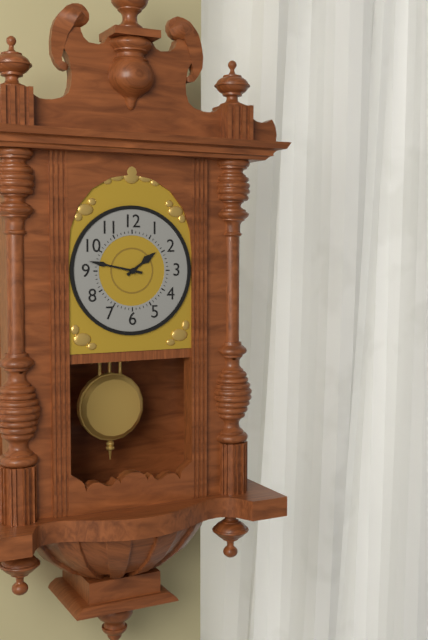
1,47
